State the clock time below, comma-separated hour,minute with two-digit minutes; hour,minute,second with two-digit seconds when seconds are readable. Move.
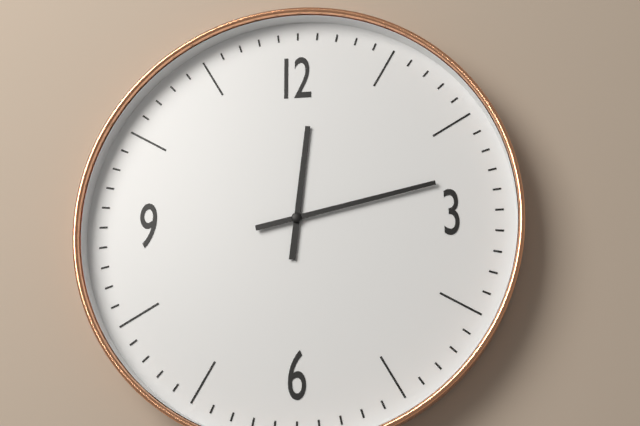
12,13
